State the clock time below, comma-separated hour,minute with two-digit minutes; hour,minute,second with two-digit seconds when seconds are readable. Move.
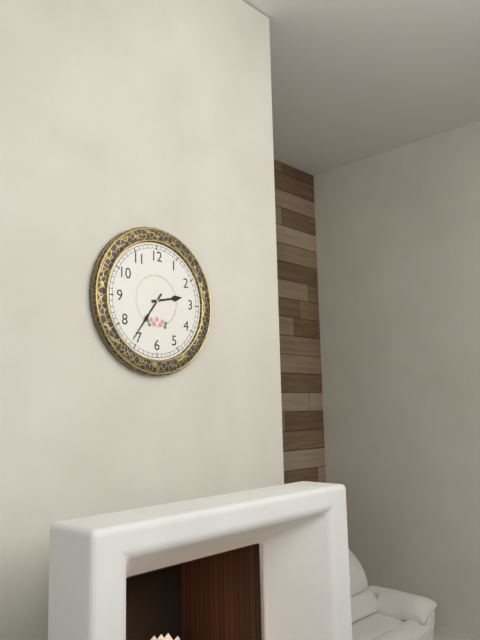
2,36
